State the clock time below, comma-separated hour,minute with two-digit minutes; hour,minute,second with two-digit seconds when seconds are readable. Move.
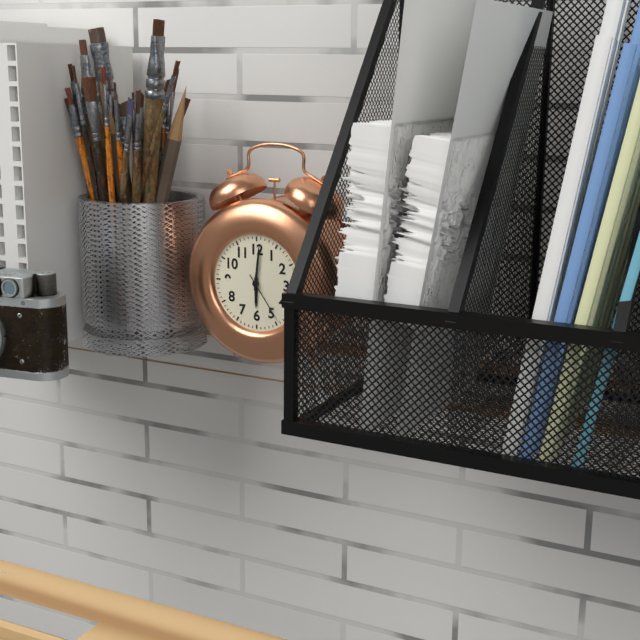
6,01,24
